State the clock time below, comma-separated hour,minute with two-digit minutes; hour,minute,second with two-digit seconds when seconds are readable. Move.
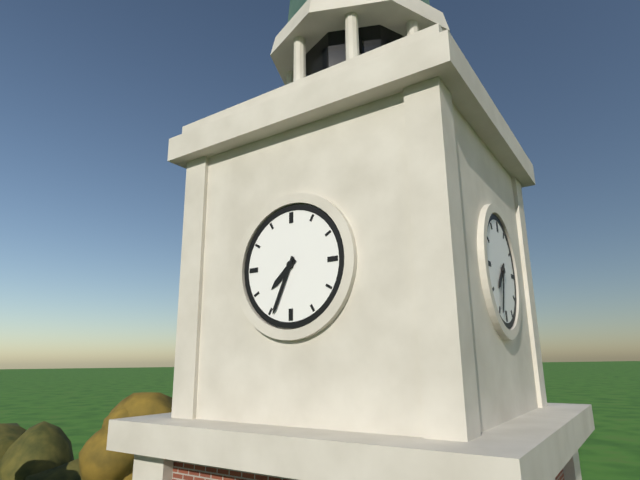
7,34
